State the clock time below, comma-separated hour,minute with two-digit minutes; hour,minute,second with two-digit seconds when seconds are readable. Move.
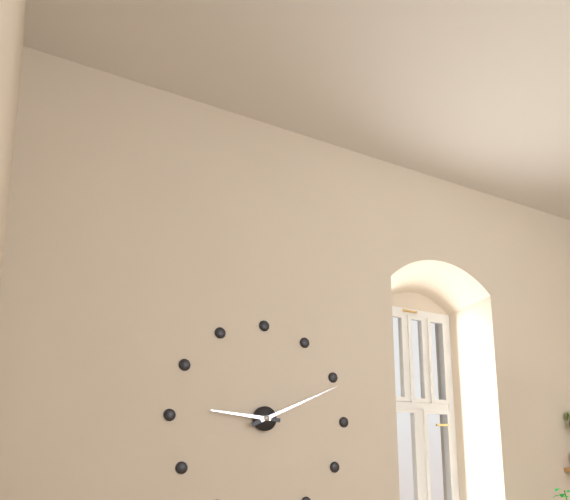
9,11
